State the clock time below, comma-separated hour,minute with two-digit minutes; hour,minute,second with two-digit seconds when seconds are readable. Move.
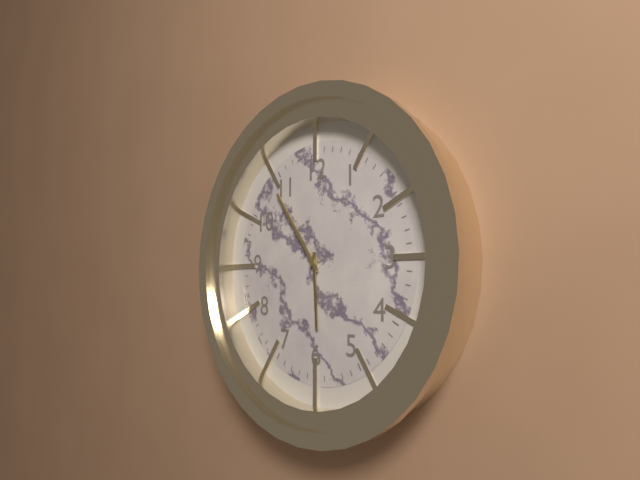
5,54
